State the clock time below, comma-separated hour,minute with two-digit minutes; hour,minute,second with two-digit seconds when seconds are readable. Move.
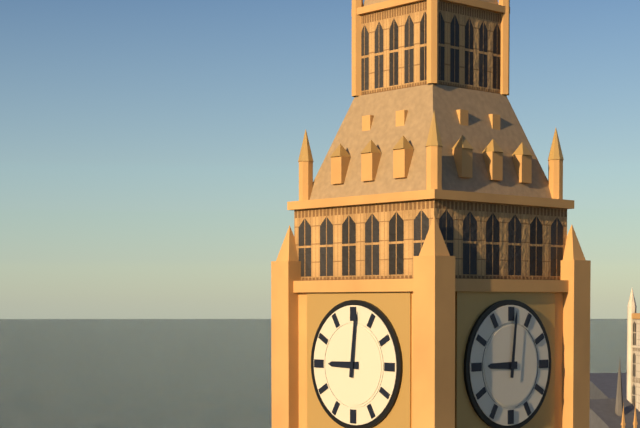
9,01
